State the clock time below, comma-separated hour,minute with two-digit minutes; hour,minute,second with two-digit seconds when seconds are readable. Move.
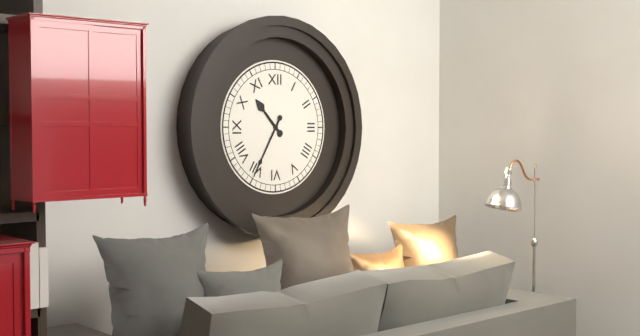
10,35
